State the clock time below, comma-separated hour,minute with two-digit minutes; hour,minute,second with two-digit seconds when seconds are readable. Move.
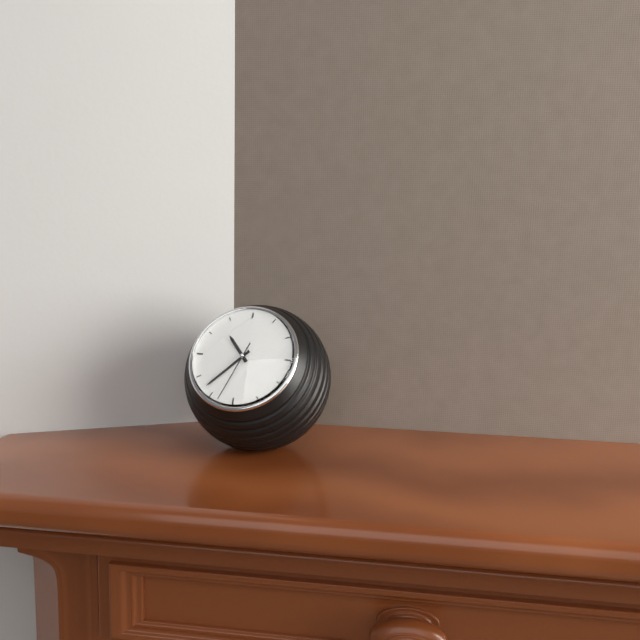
10,37,33
